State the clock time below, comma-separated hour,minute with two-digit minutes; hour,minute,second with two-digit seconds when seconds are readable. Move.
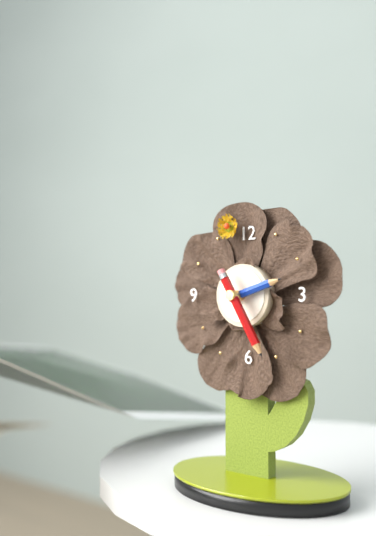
2,25
